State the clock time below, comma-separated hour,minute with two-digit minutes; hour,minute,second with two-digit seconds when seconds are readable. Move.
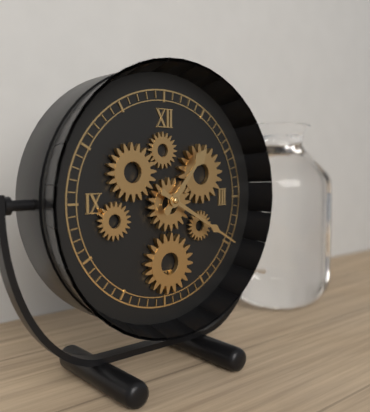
1,20
